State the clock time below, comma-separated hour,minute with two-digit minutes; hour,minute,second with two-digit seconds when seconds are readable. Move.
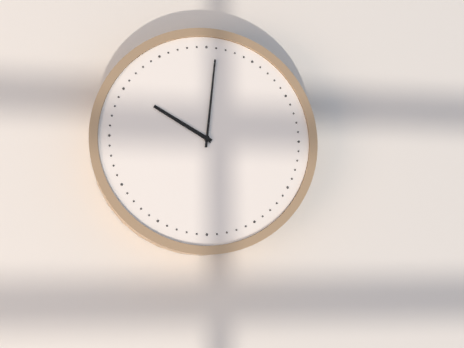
10,01
